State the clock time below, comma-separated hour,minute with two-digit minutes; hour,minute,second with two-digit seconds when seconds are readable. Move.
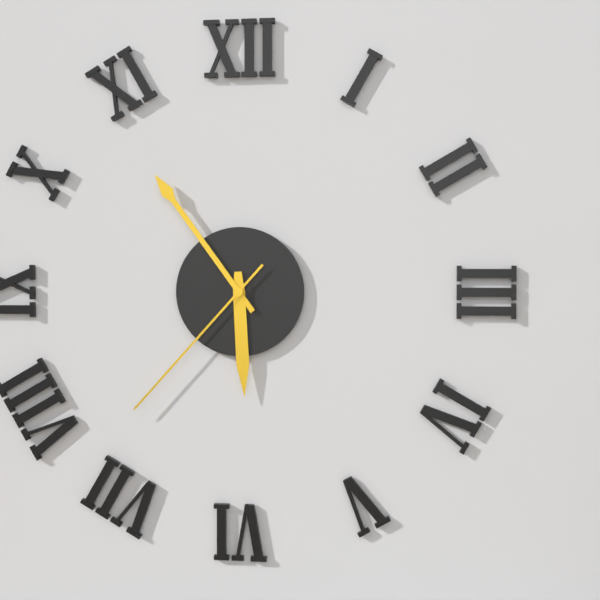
5,54,37
